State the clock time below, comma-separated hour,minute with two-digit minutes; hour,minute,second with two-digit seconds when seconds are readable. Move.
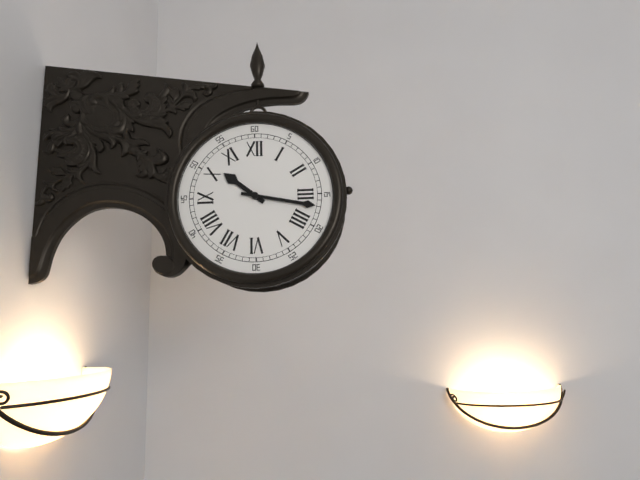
10,17
